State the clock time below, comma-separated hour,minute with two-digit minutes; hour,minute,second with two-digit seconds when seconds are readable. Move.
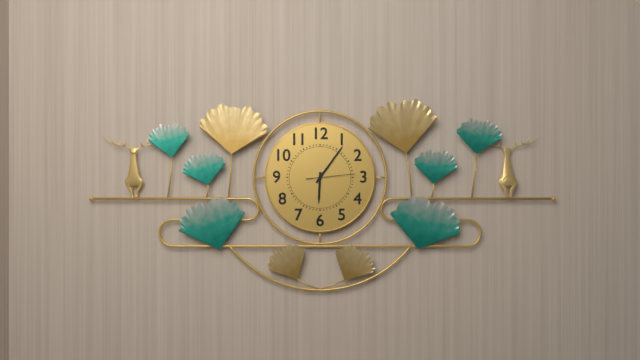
6,06
